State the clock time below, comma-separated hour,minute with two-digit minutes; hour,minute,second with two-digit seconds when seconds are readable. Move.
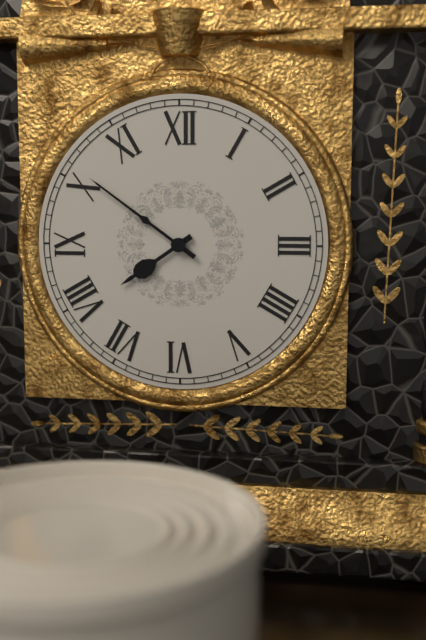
7,51
